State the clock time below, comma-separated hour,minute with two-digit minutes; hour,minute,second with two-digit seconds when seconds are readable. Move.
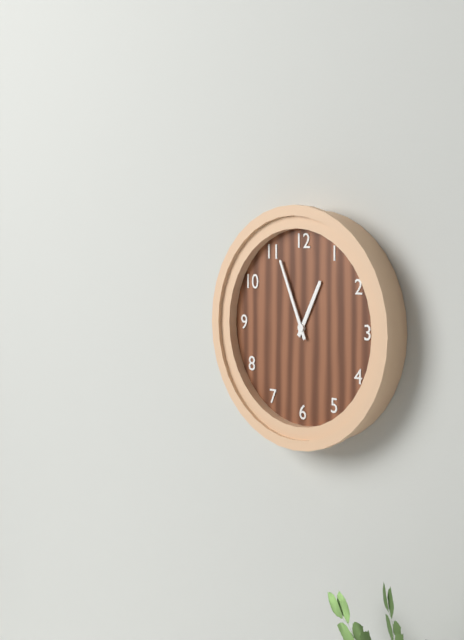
12,56
